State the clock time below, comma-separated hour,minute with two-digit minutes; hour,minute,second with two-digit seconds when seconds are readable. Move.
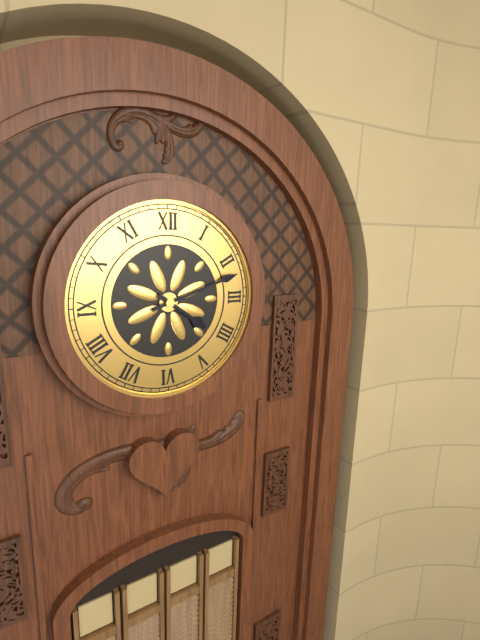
4,12
